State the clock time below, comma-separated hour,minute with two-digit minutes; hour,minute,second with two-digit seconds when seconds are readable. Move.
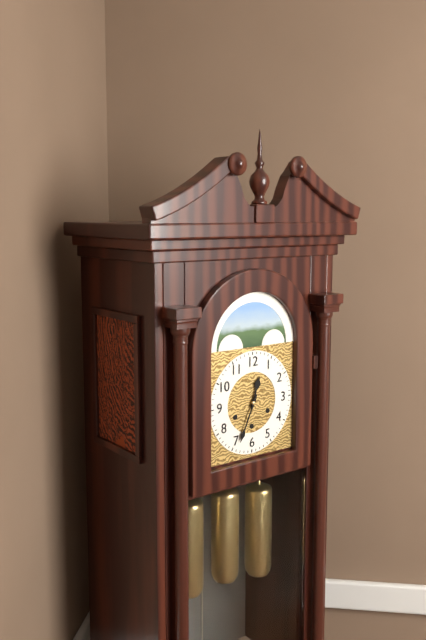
12,34
